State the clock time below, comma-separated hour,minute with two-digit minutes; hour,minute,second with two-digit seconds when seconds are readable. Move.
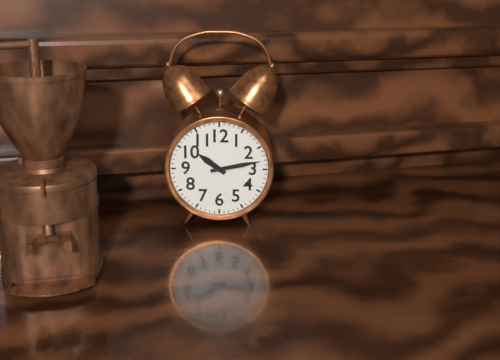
10,13
